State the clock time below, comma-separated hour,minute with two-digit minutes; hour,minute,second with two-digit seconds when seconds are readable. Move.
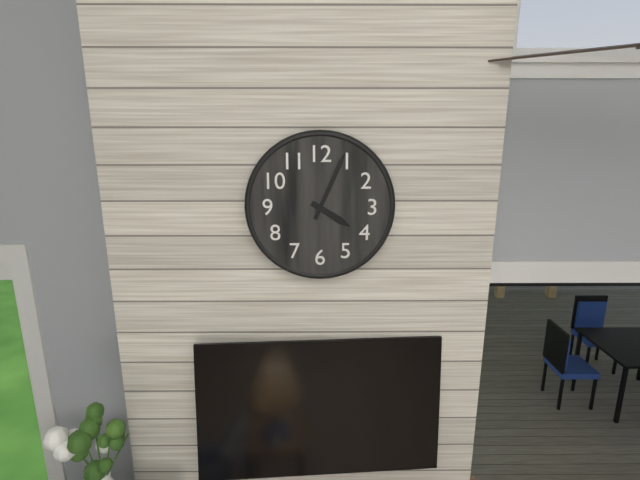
4,04
